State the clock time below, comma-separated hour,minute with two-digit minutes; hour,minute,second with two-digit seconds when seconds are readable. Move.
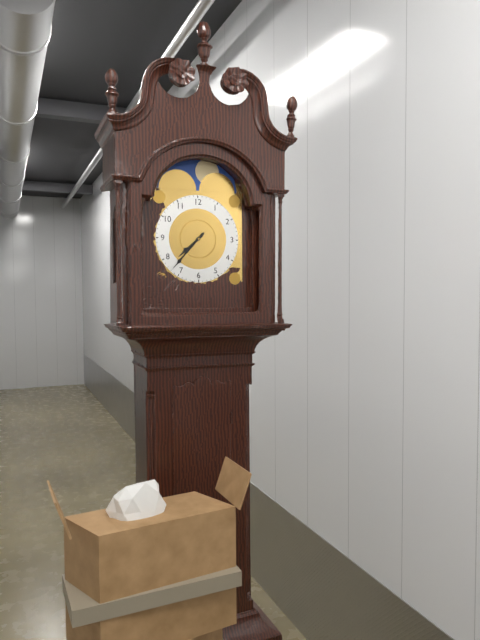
7,37
